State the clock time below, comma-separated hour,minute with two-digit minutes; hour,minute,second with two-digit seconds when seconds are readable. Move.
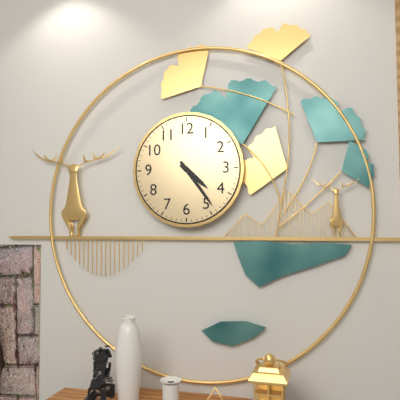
4,24
